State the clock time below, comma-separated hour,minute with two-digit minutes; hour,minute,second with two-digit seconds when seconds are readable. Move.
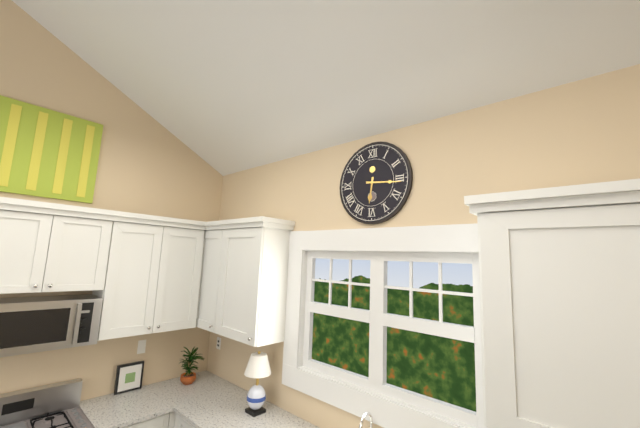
6,16
